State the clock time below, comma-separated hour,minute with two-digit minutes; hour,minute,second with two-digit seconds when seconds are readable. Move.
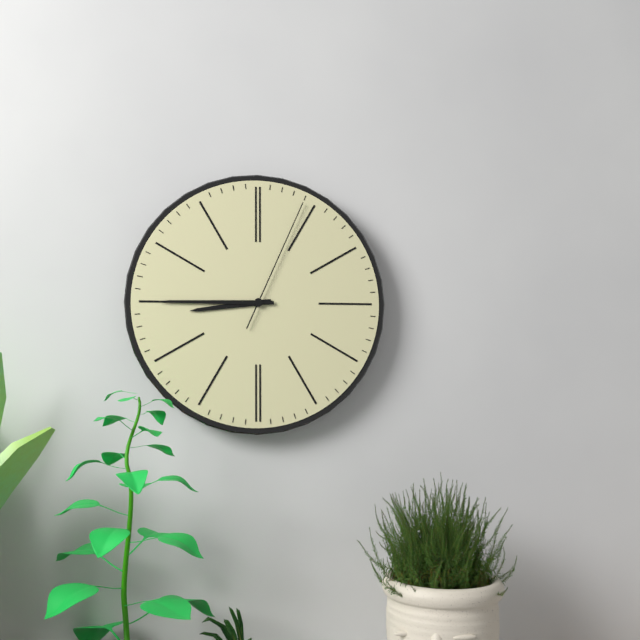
8,45,04
